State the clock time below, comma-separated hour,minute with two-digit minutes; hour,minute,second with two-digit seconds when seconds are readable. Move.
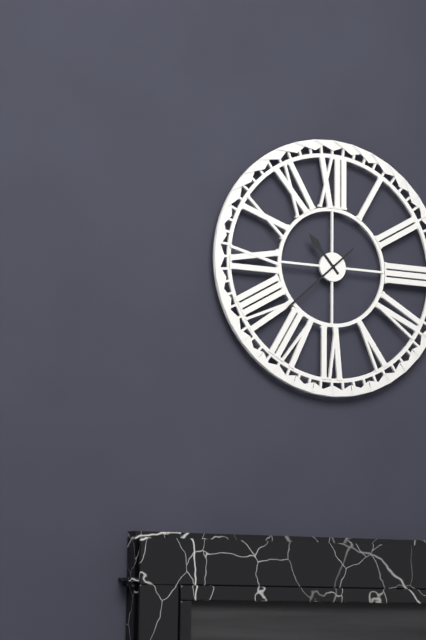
10,38
